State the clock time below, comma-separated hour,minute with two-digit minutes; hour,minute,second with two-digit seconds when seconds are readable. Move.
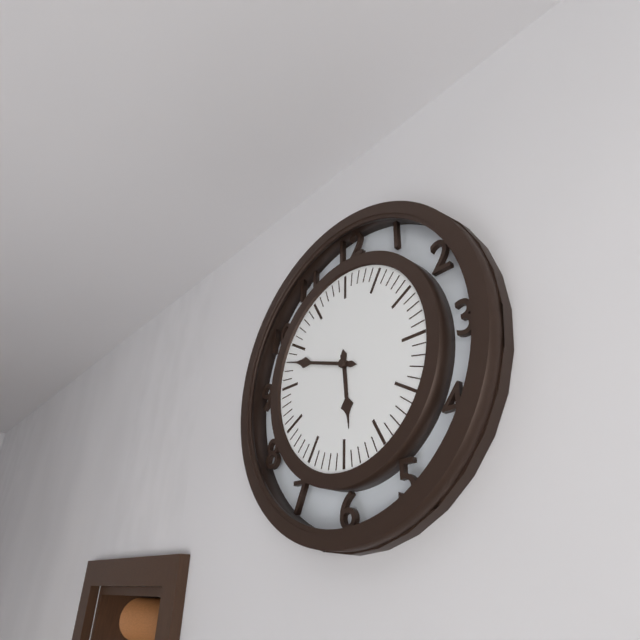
5,48
